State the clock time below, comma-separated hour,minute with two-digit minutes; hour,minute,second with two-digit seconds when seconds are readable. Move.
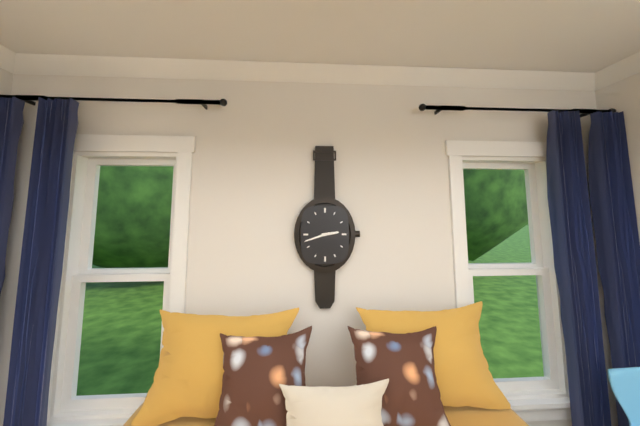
2,42
